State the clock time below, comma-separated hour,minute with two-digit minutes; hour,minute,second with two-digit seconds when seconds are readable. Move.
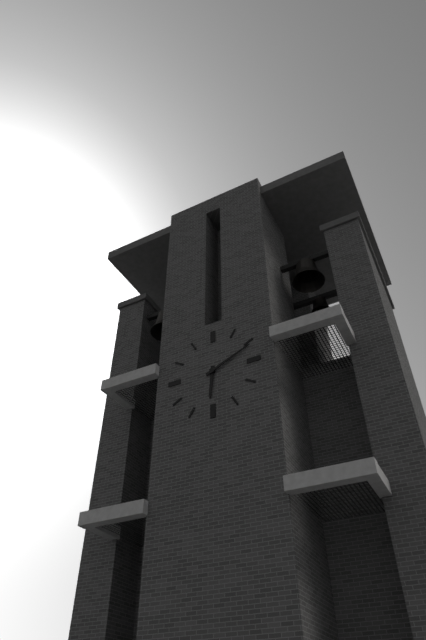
6,11
